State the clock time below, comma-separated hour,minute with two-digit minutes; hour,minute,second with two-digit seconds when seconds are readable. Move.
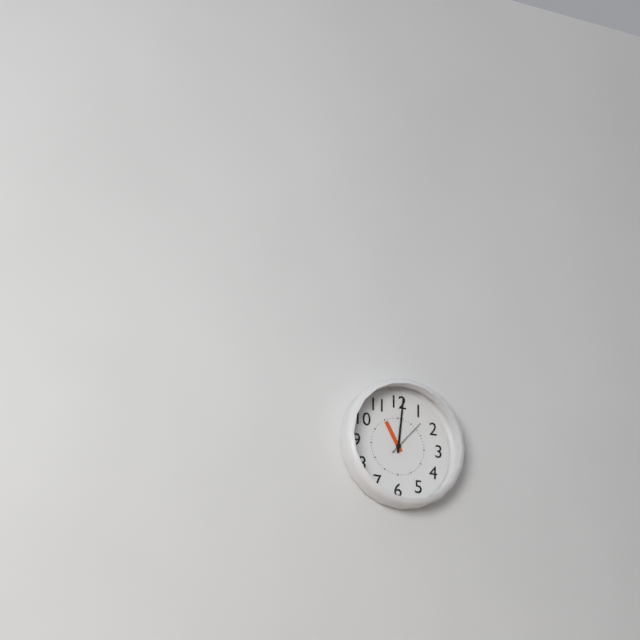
11,01
